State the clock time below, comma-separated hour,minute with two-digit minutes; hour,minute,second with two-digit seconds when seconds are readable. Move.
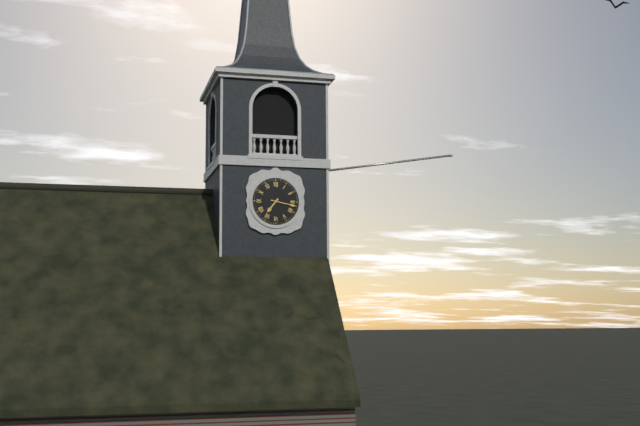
7,17
